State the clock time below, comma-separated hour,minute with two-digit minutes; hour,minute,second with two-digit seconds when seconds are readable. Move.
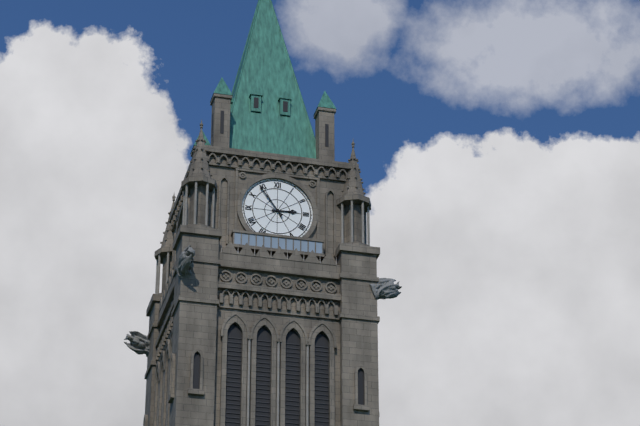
2,54
